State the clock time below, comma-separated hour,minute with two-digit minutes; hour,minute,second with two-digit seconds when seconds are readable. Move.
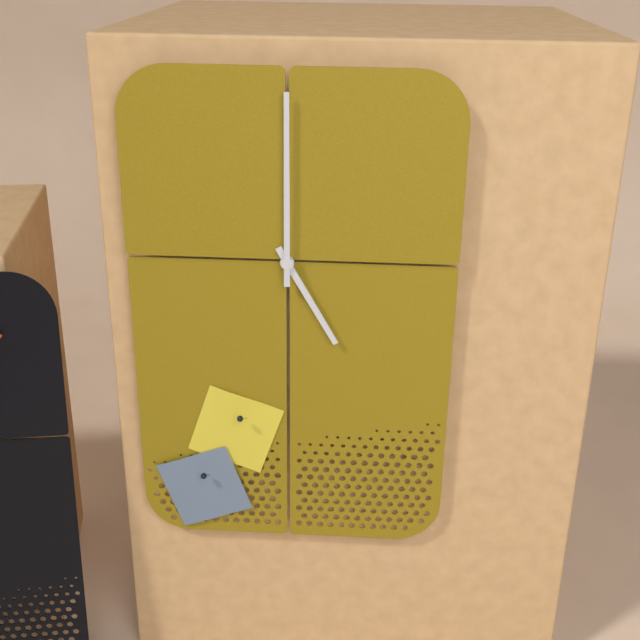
5,00
